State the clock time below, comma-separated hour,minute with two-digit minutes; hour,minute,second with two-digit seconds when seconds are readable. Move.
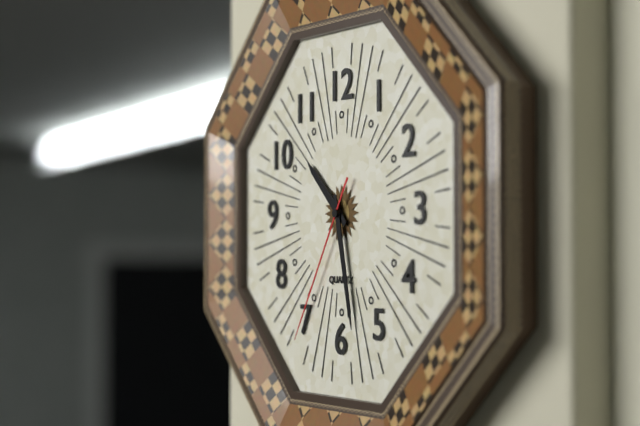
10,28,35
